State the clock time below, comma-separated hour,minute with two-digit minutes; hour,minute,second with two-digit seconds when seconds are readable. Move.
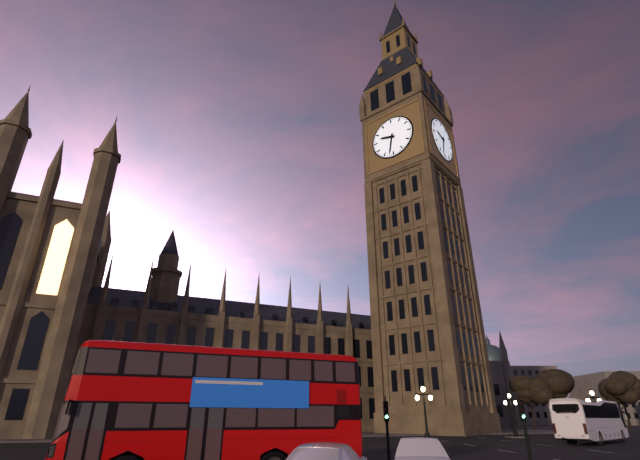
9,32
